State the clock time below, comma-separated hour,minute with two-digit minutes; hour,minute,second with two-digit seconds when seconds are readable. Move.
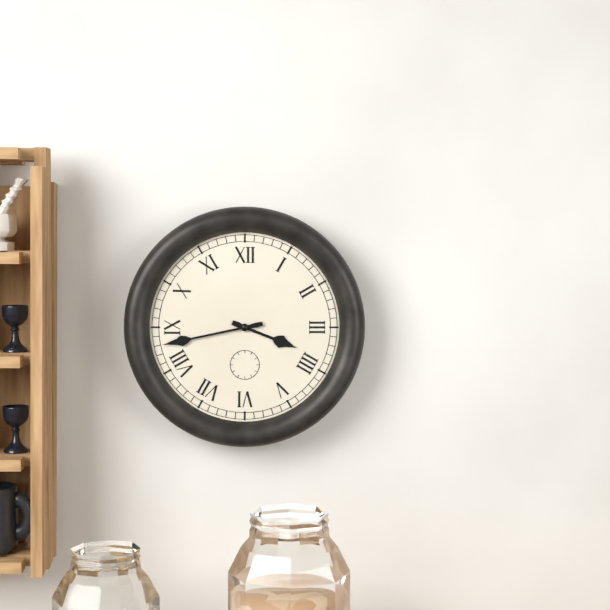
3,43
